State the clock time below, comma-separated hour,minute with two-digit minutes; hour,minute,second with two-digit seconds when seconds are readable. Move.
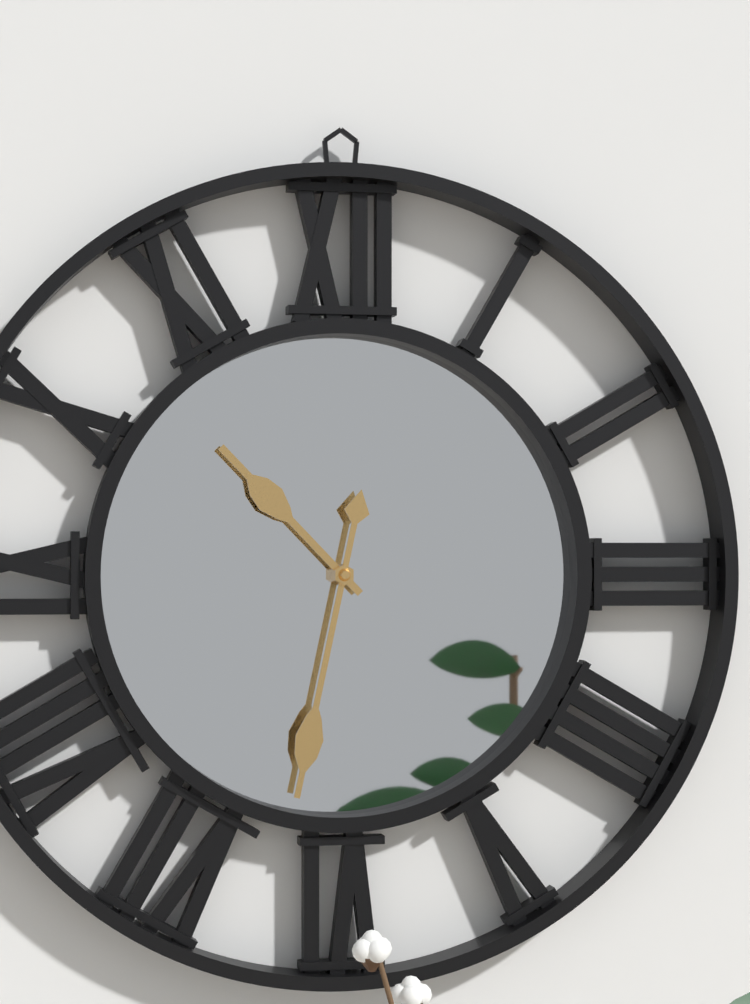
10,32
